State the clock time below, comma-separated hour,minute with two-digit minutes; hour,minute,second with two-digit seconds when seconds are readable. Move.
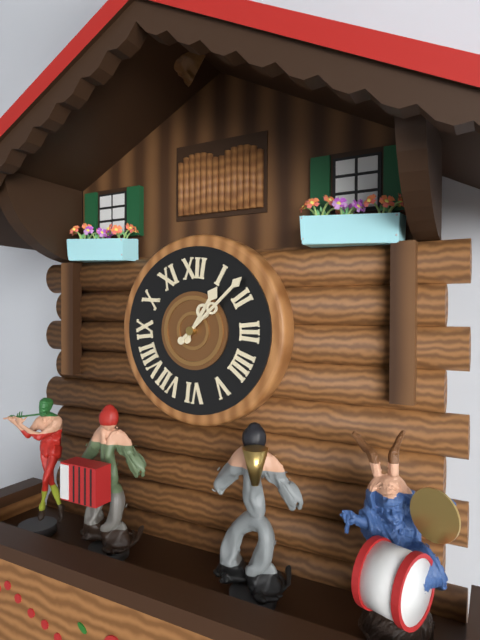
1,08
